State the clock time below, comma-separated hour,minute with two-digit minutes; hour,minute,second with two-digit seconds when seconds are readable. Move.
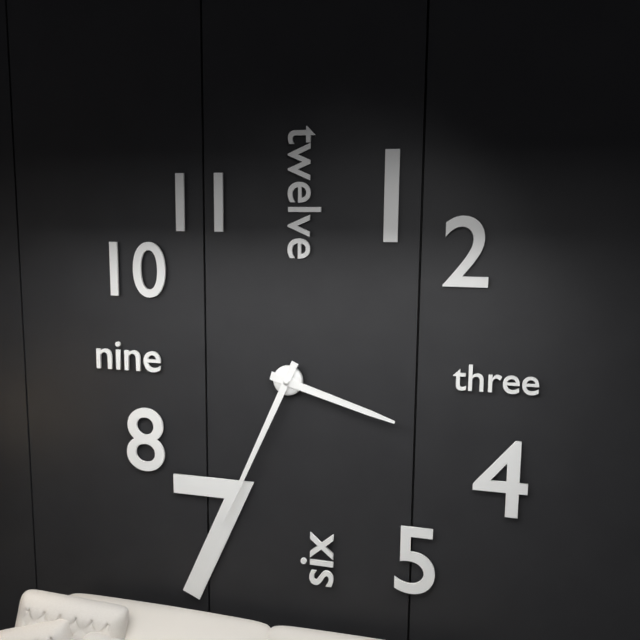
3,34
